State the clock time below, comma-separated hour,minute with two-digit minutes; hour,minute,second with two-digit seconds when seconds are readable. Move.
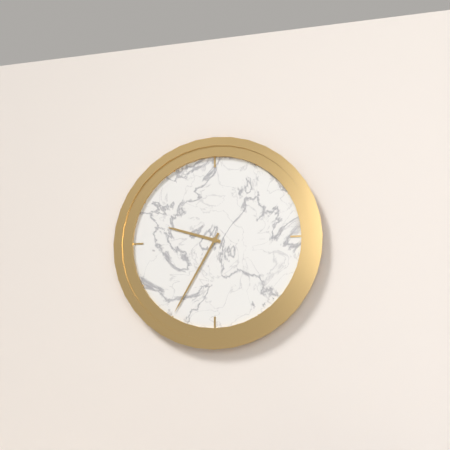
9,35
